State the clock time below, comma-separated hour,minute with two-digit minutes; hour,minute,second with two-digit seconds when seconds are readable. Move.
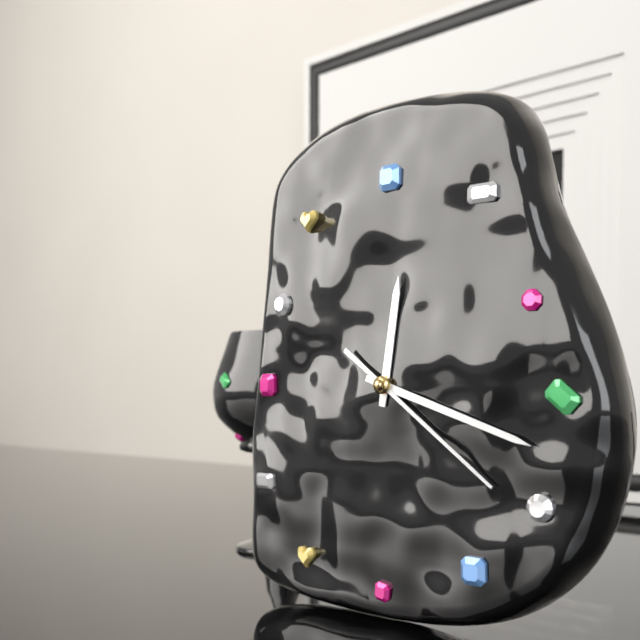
12,18,21
